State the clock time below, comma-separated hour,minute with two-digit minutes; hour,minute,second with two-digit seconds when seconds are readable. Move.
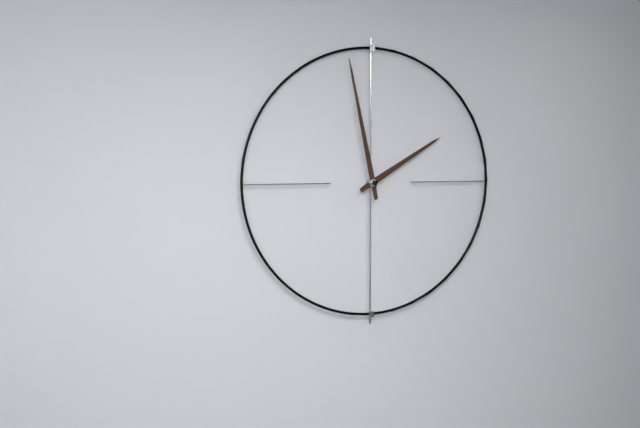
1,58
